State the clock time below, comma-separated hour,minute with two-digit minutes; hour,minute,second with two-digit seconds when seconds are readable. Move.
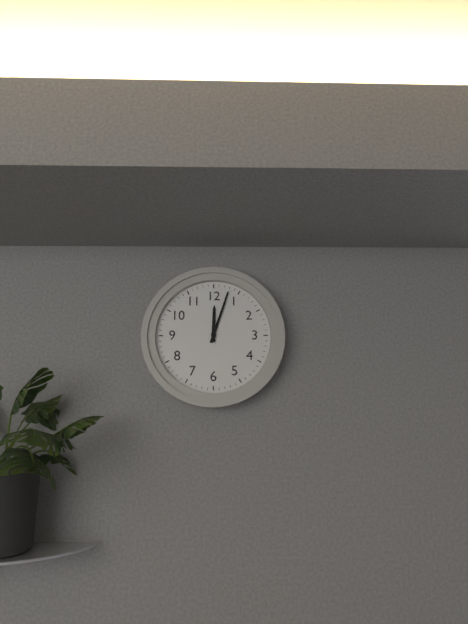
12,03
